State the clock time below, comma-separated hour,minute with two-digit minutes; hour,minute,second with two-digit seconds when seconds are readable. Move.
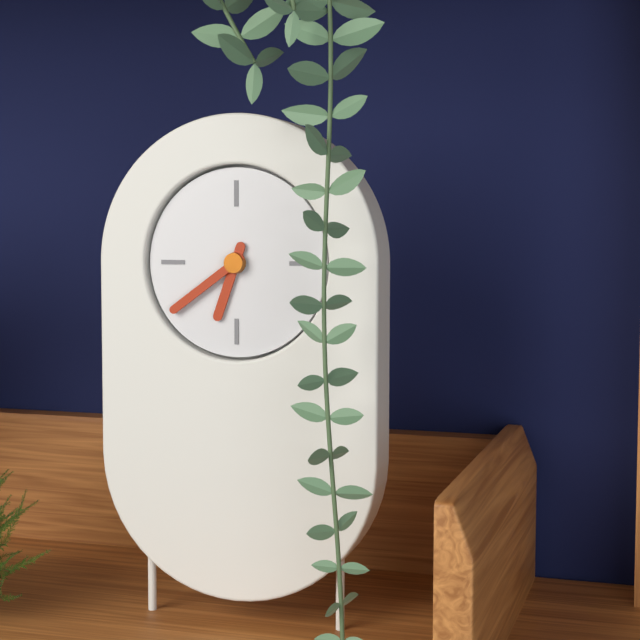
6,39
